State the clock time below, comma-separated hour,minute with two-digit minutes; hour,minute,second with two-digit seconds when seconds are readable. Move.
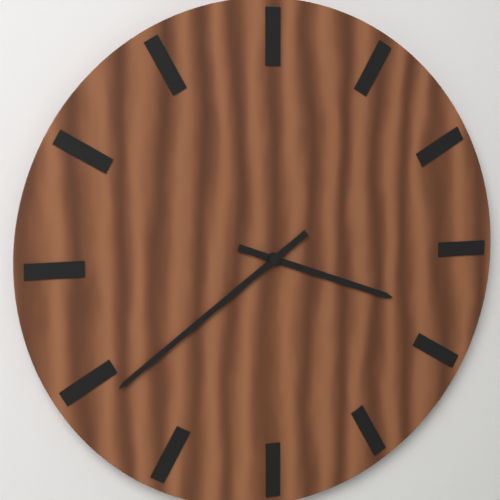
3,39
